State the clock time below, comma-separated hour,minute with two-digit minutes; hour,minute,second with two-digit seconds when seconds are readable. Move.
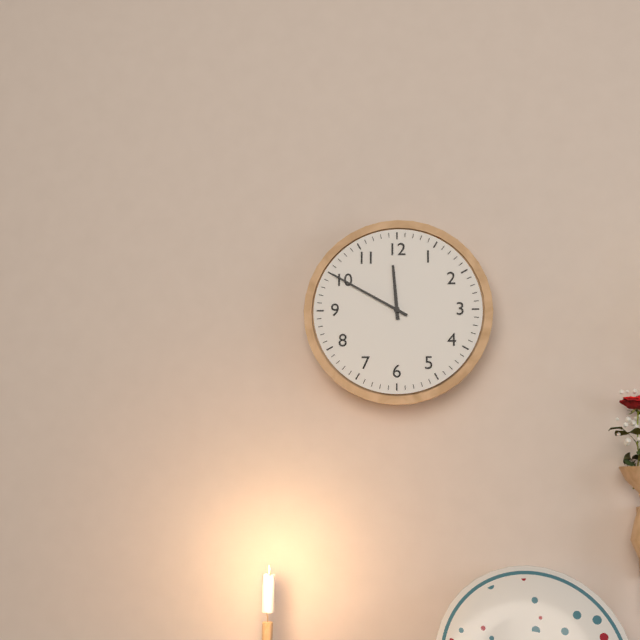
11,50
